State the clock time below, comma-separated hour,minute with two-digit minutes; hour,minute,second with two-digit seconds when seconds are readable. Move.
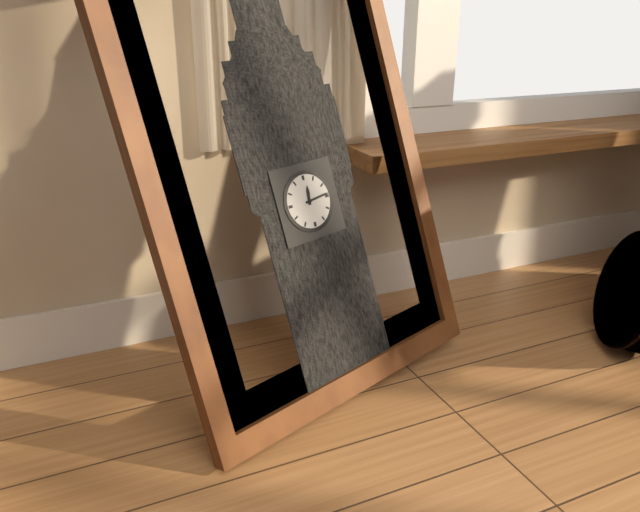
12,14
